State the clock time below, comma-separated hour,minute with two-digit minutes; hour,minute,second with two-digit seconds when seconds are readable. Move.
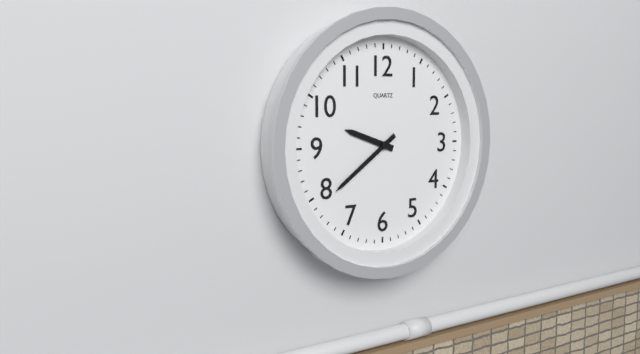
9,39
